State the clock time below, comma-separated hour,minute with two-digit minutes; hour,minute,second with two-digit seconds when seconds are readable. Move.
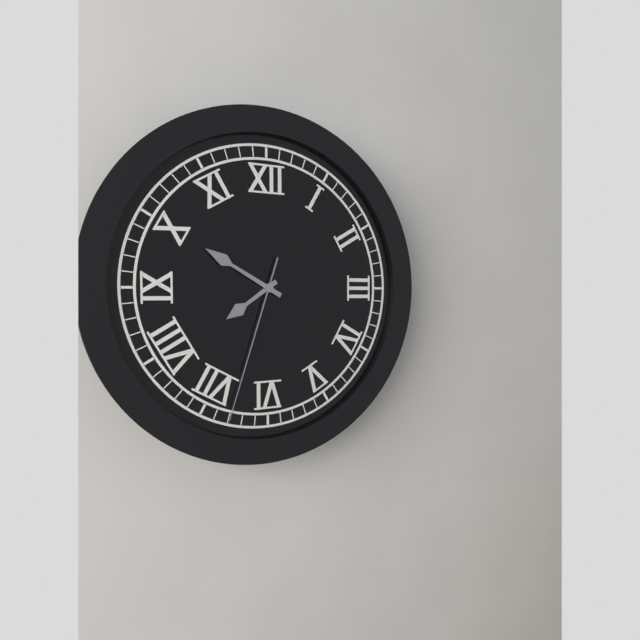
7,50,33
